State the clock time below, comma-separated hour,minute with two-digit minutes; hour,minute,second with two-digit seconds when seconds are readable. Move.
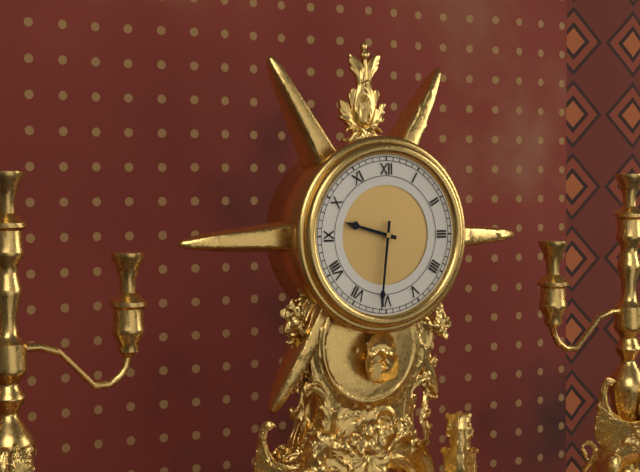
9,31
